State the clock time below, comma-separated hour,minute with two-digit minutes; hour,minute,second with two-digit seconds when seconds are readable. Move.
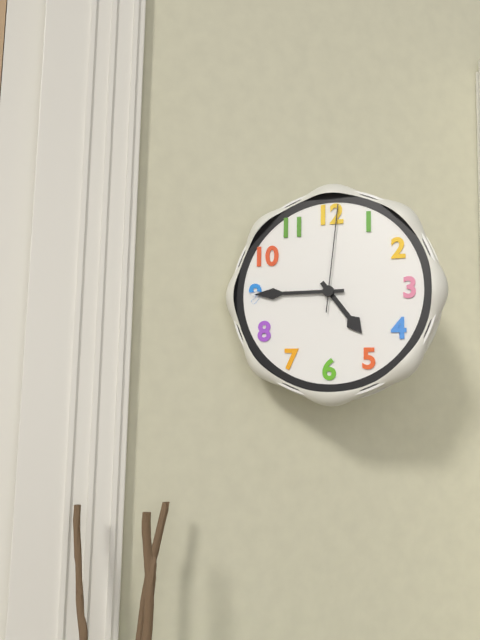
4,45,01
